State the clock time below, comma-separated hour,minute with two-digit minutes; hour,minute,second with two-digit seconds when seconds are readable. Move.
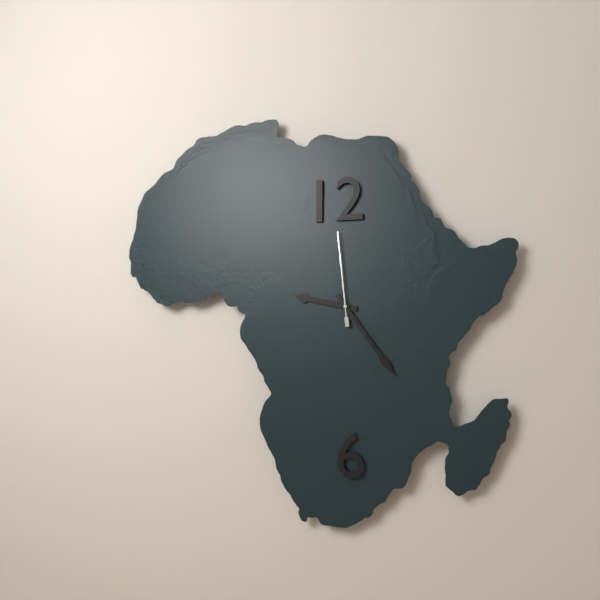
9,24,59
